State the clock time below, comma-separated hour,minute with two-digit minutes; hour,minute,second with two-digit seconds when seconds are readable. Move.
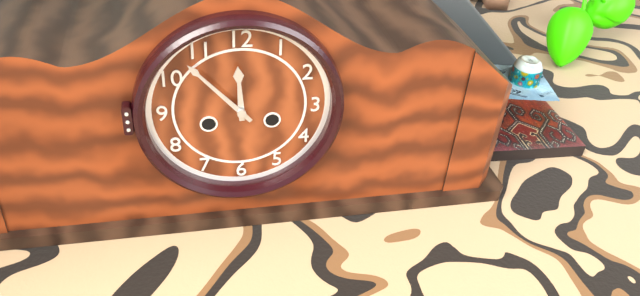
11,53
